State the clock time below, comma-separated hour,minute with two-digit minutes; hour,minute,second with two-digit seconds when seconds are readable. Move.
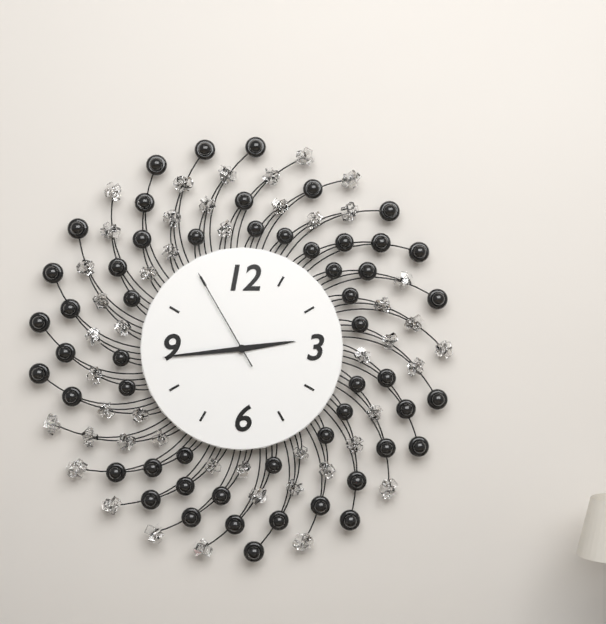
2,44,55
